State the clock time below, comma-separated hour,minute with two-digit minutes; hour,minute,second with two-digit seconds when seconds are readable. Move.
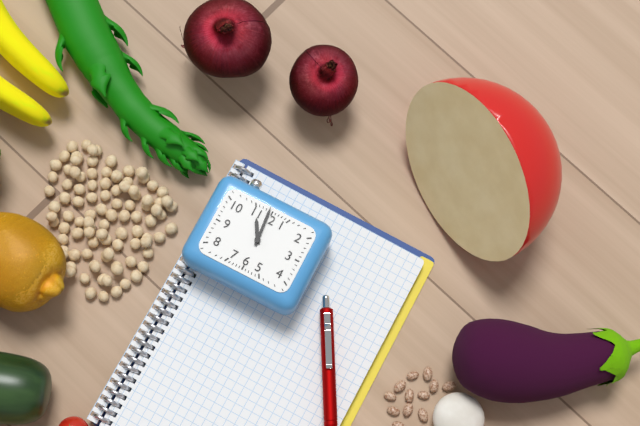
10,59
